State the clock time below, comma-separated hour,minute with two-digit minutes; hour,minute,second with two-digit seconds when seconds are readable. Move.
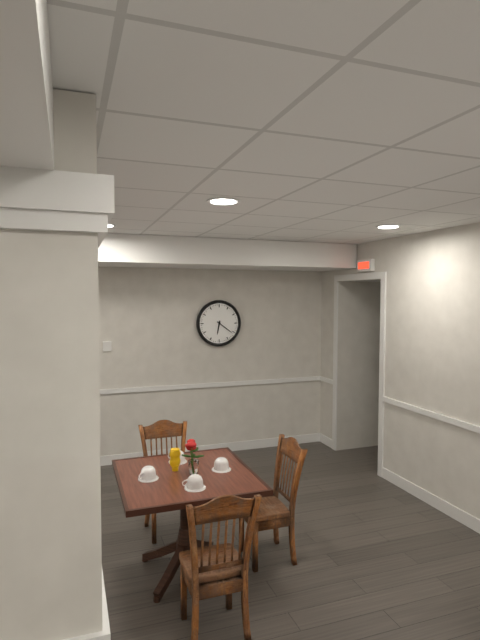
6,21
